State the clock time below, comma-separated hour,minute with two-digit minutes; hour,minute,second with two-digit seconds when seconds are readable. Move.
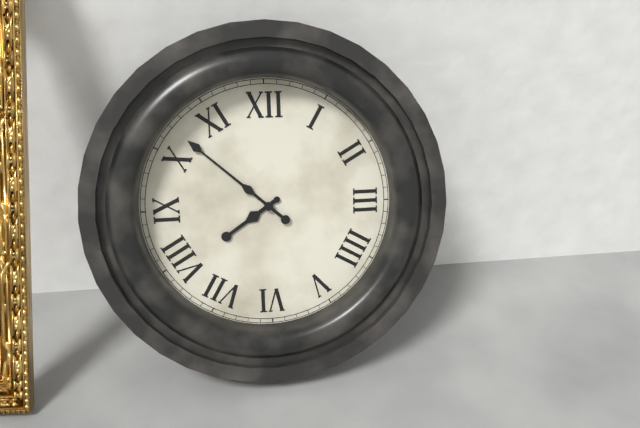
7,52
